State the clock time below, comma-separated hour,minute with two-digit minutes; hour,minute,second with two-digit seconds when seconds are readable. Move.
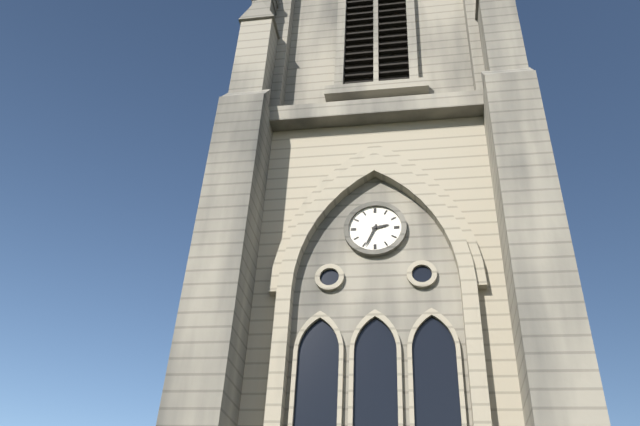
2,34
